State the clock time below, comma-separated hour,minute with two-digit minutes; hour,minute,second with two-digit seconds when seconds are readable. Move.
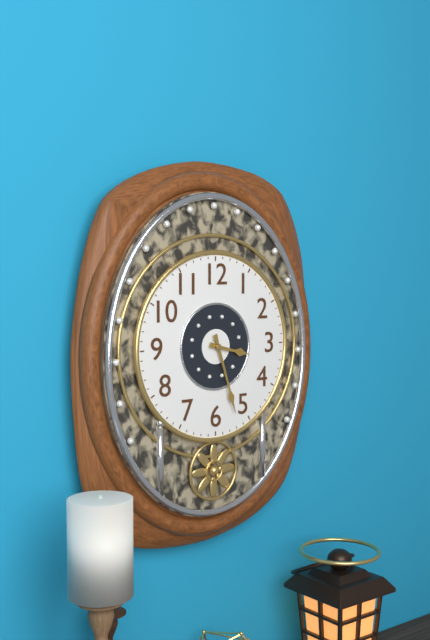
3,27
